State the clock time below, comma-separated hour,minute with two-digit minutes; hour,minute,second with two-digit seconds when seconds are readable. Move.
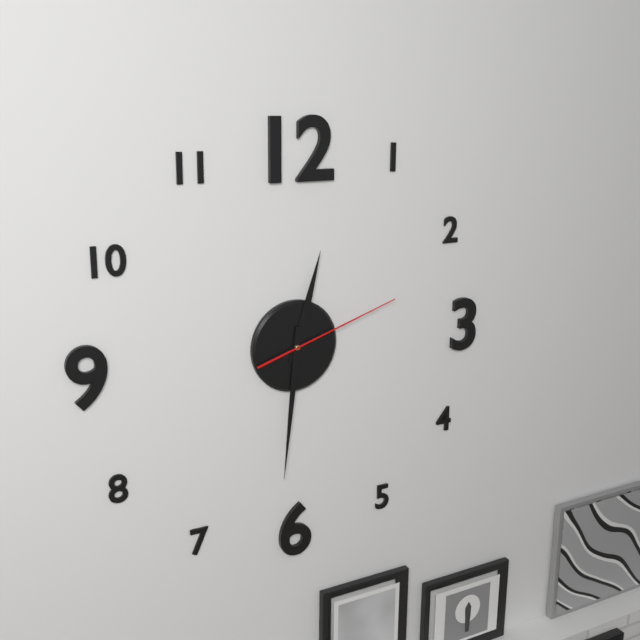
12,31,12
